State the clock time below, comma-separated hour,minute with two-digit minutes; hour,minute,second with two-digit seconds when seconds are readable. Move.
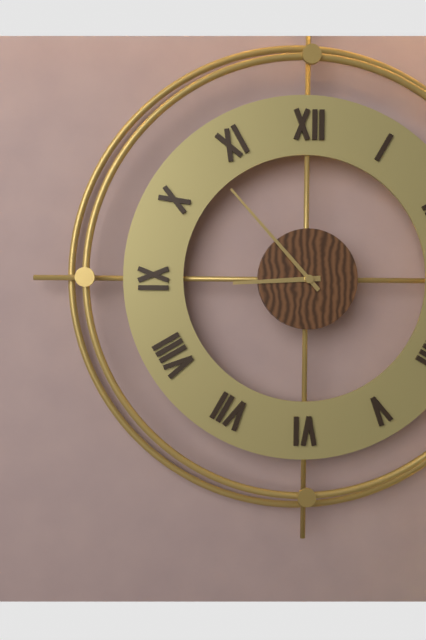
8,53
